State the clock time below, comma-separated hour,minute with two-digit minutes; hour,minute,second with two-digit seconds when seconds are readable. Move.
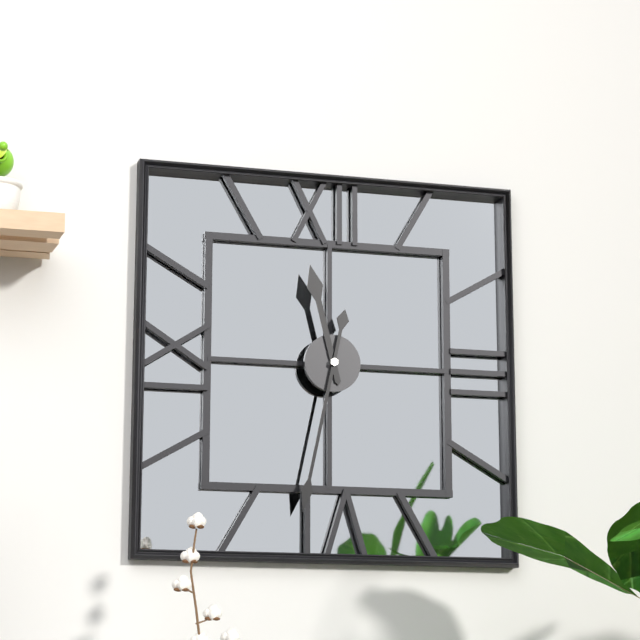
11,32
